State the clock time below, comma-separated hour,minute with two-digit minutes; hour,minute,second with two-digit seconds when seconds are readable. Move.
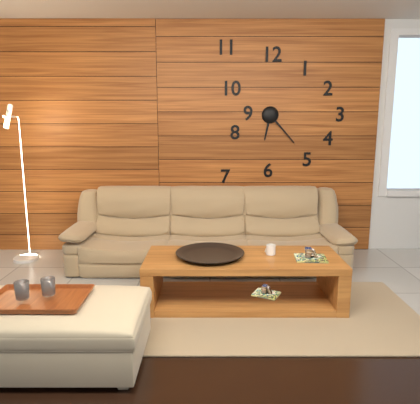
6,23
